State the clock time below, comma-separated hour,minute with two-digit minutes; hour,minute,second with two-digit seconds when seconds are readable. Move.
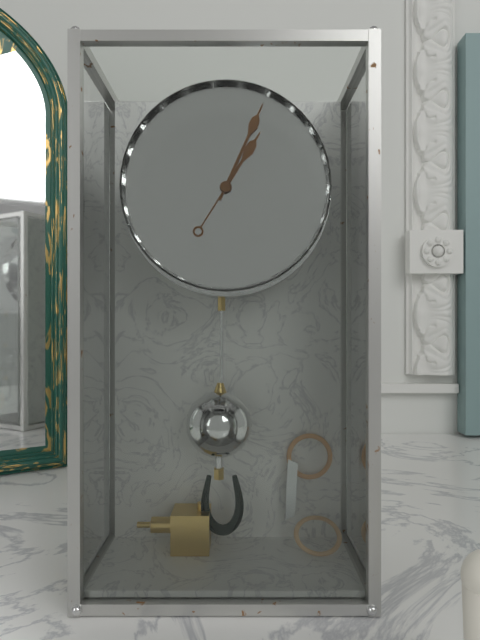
1,04
